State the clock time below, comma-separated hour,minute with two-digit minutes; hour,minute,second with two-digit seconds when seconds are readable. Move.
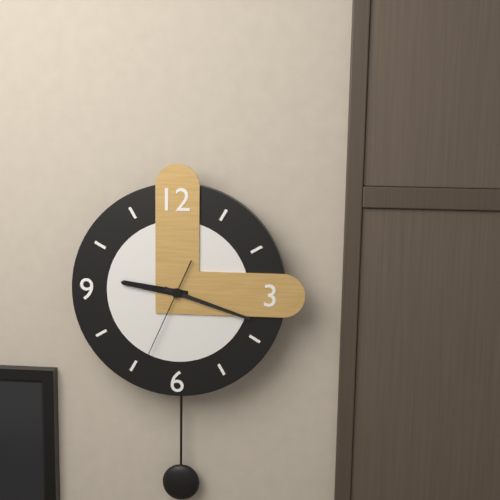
9,18,34
